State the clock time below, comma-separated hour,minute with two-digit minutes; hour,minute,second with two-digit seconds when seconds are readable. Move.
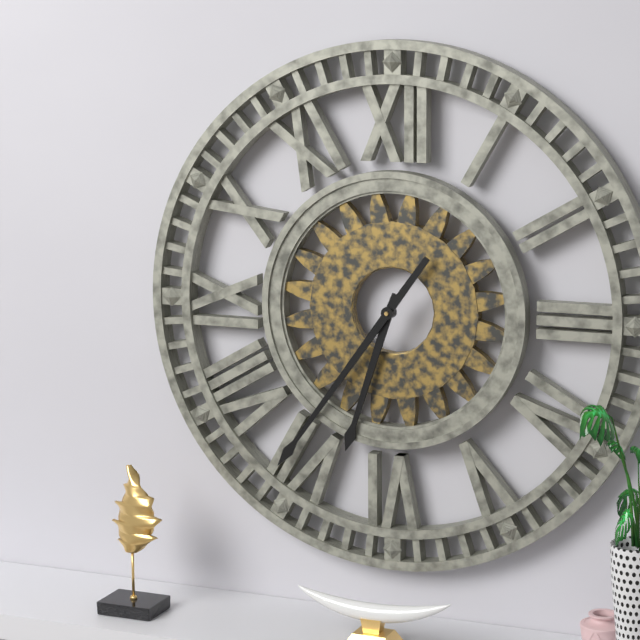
6,36
